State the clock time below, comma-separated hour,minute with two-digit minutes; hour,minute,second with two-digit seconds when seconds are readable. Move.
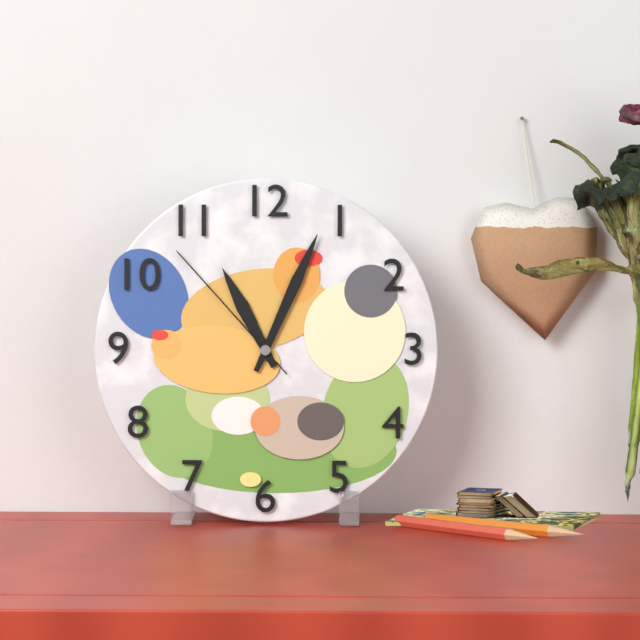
11,04,53
